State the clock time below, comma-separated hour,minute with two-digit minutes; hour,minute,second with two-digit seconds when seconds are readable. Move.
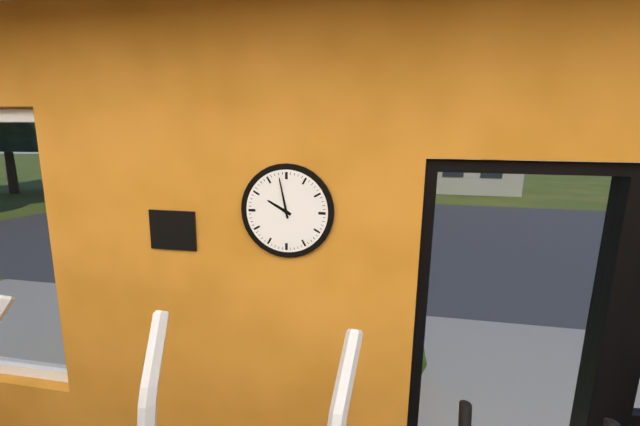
9,58
